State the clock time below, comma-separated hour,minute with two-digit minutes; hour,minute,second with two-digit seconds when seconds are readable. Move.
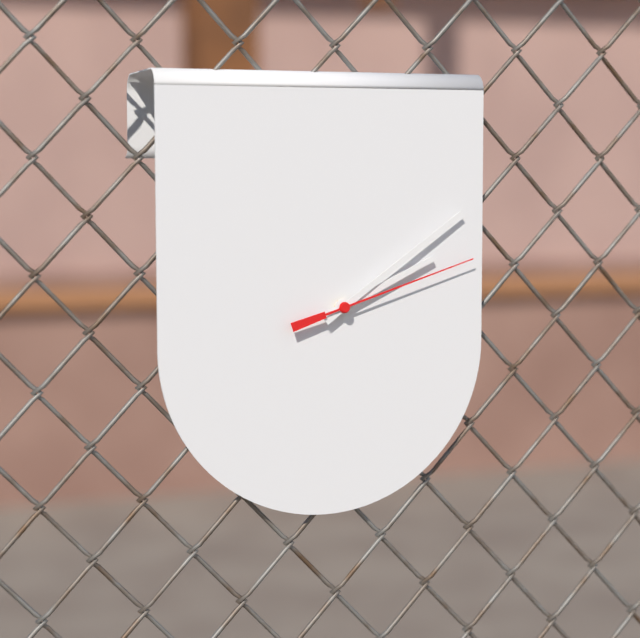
2,09,12
